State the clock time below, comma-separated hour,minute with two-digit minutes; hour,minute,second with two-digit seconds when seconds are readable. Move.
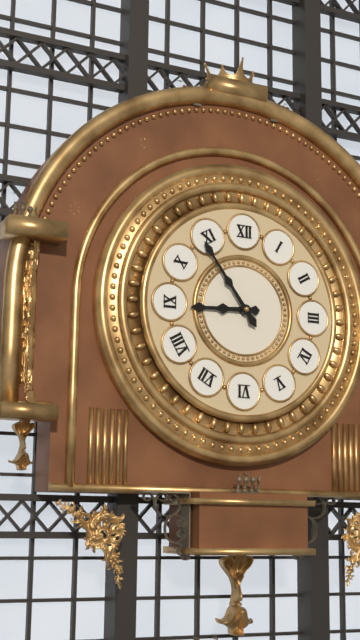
8,54
